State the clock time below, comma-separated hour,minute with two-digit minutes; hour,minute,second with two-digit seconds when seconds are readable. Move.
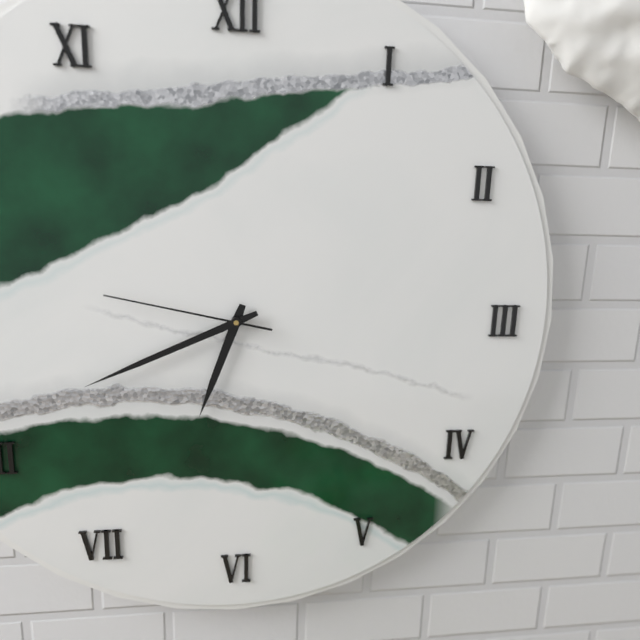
6,41,47
